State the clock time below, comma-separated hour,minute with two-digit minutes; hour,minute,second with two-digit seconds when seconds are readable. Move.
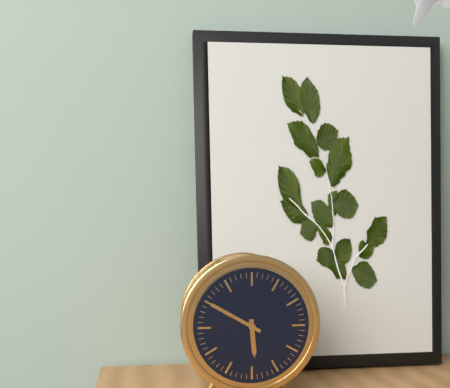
5,50
